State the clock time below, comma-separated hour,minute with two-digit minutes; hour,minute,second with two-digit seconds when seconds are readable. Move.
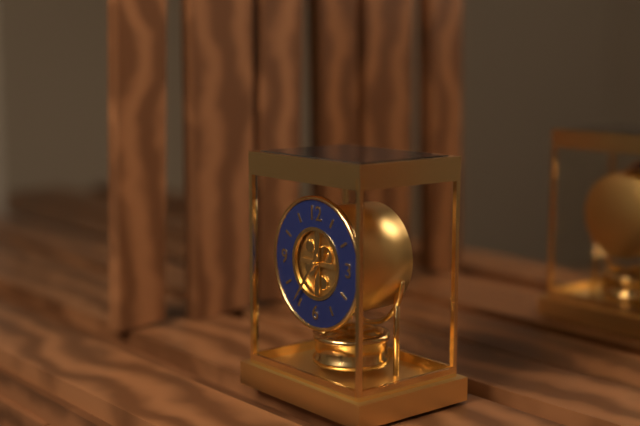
12,36
